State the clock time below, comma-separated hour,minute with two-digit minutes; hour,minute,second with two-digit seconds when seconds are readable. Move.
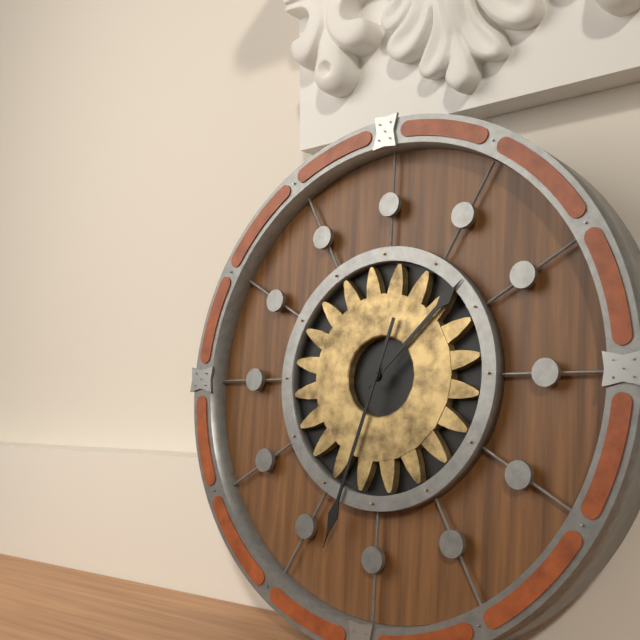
1,33
